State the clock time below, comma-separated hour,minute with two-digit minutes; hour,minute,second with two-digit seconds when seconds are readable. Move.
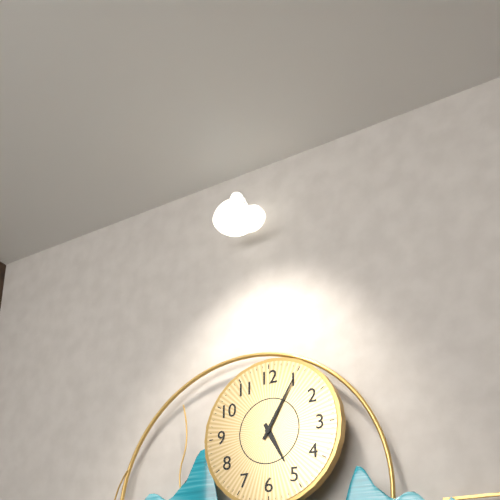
5,05
